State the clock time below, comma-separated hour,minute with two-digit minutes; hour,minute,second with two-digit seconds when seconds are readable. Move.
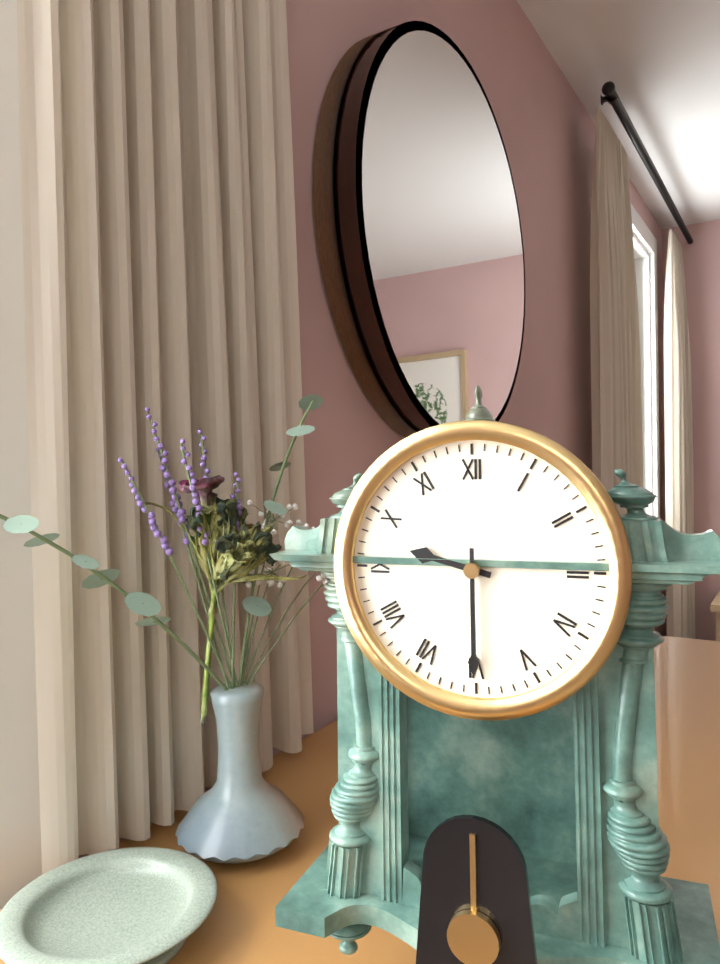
9,30
